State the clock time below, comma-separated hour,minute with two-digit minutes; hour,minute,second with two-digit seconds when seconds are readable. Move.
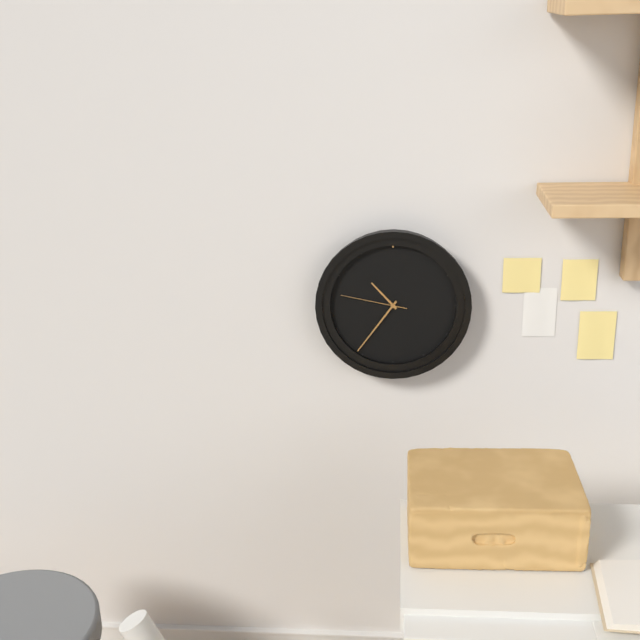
10,36,47
